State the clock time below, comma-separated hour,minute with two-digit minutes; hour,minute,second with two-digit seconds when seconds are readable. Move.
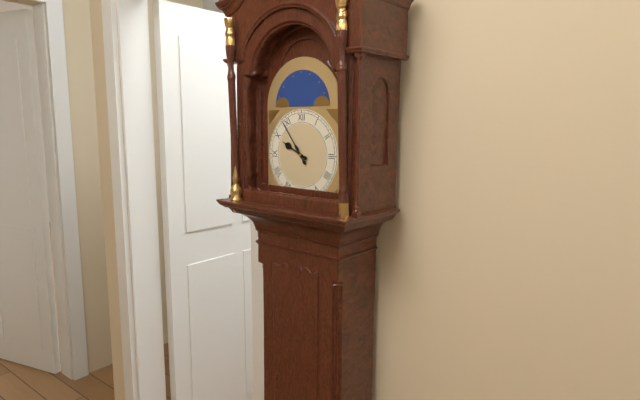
9,54
